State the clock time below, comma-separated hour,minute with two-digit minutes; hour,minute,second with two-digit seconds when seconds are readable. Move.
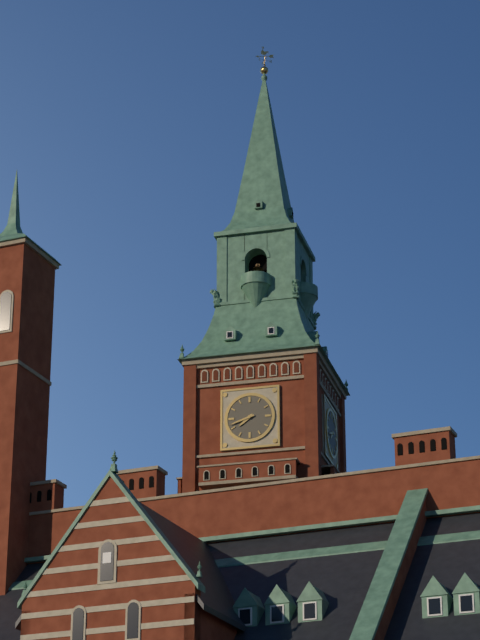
7,42
